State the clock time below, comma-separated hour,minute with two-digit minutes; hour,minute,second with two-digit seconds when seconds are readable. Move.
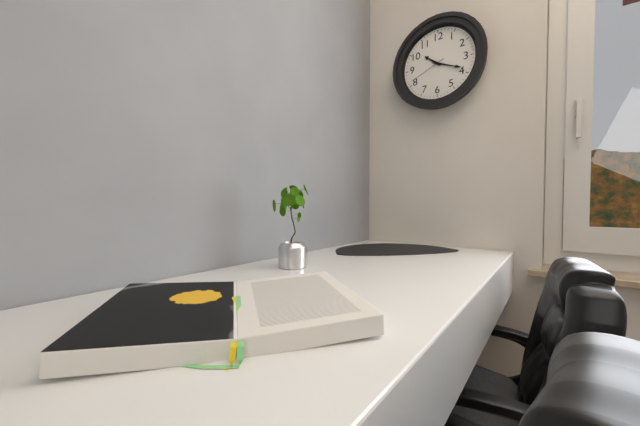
10,19
